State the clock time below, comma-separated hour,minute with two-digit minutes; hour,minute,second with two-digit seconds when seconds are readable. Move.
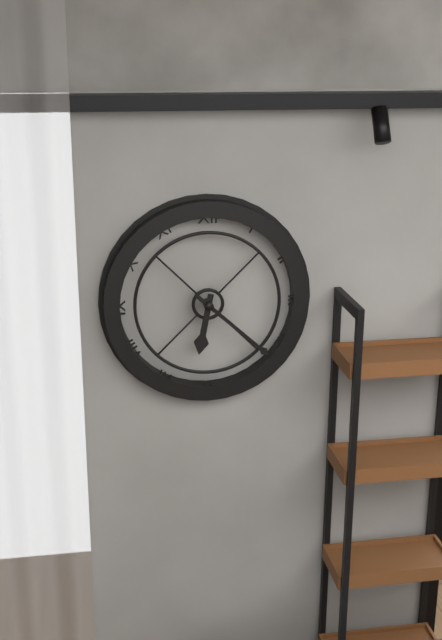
6,22
